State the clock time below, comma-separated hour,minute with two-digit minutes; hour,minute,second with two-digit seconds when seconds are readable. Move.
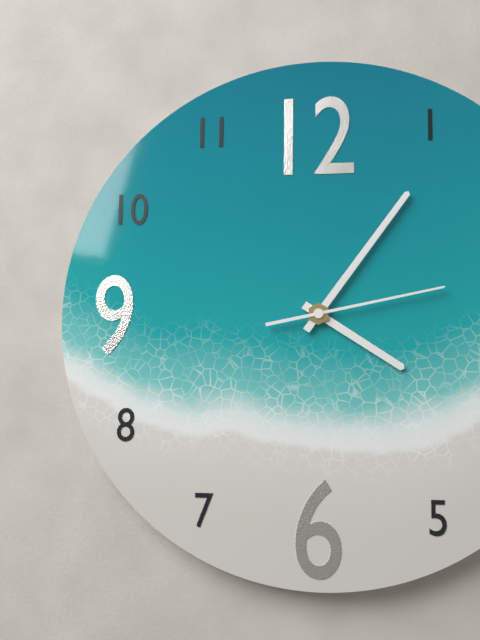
4,06,13
